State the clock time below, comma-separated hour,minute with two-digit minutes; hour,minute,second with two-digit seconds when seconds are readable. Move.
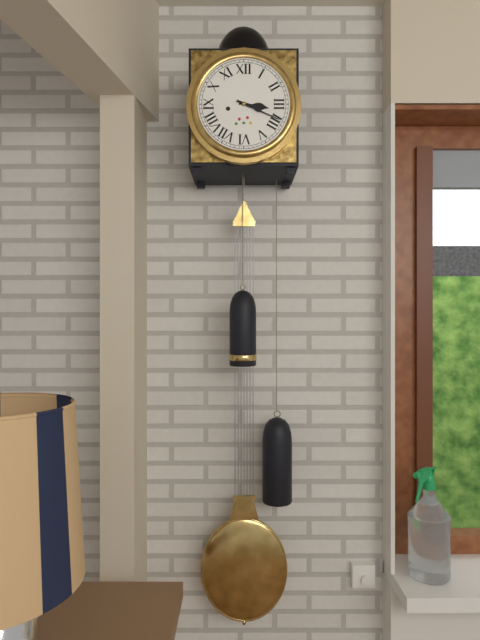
3,19
